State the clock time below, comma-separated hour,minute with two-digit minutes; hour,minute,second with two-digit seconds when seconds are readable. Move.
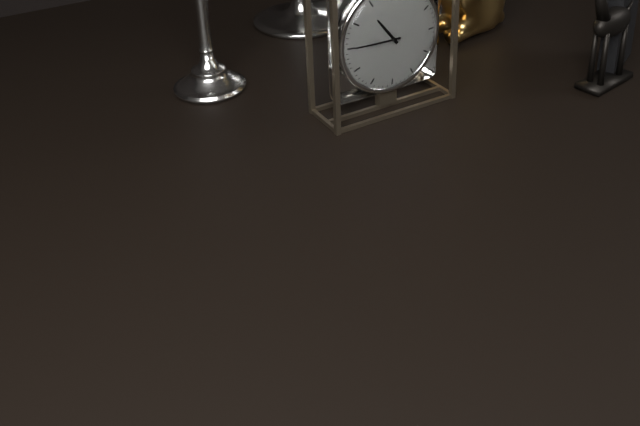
10,45
